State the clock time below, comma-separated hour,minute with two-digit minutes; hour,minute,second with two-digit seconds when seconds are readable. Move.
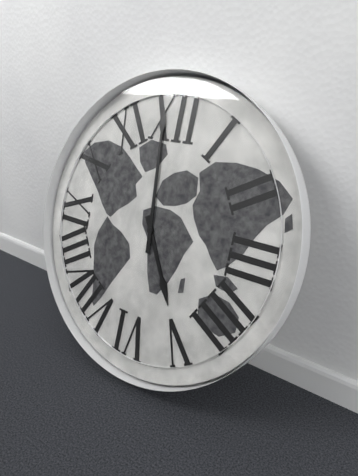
4,59
